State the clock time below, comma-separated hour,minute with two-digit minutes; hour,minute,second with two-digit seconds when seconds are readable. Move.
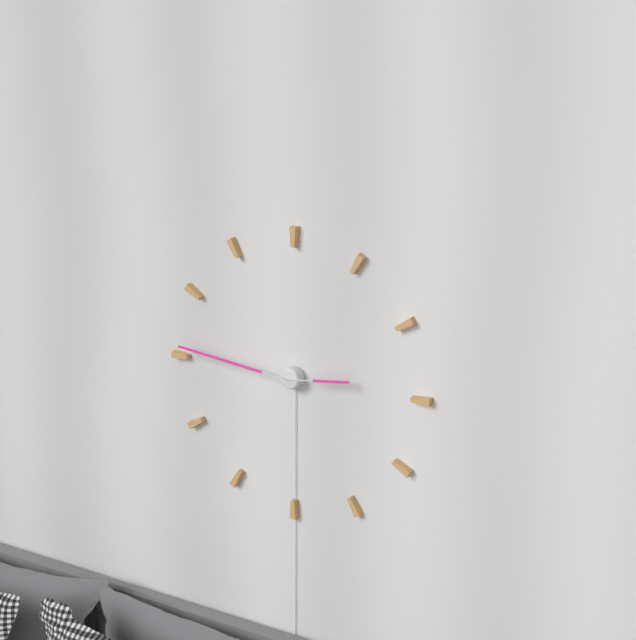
2,46
